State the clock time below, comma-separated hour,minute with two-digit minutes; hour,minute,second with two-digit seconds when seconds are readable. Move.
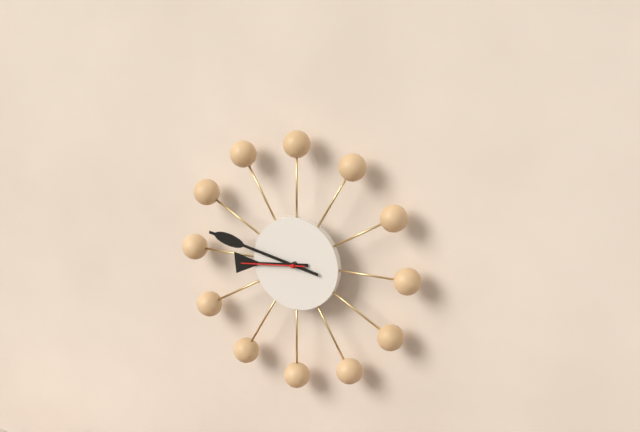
8,47,44
